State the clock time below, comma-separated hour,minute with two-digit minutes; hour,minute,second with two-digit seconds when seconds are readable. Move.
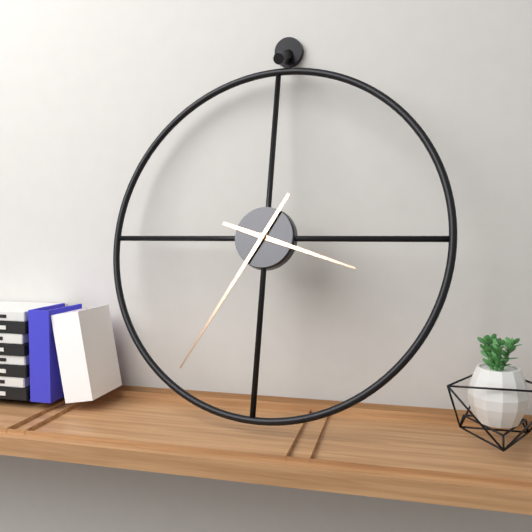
3,35
